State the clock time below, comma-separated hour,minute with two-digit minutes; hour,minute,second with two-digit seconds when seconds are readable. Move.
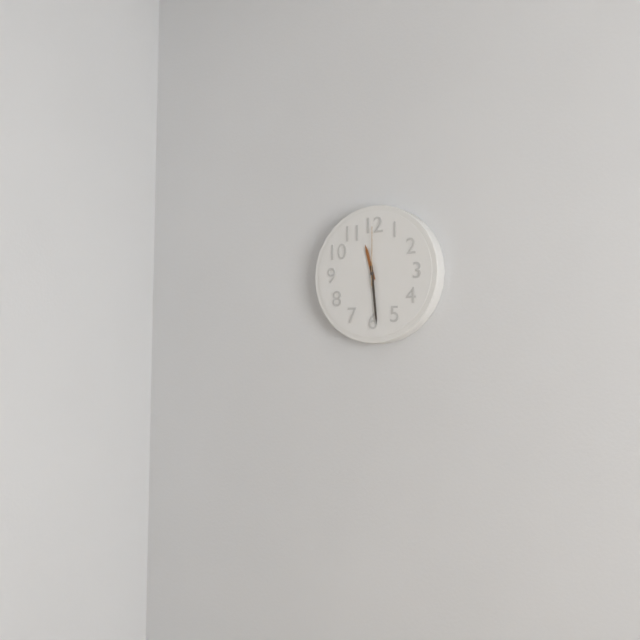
11,29,00
